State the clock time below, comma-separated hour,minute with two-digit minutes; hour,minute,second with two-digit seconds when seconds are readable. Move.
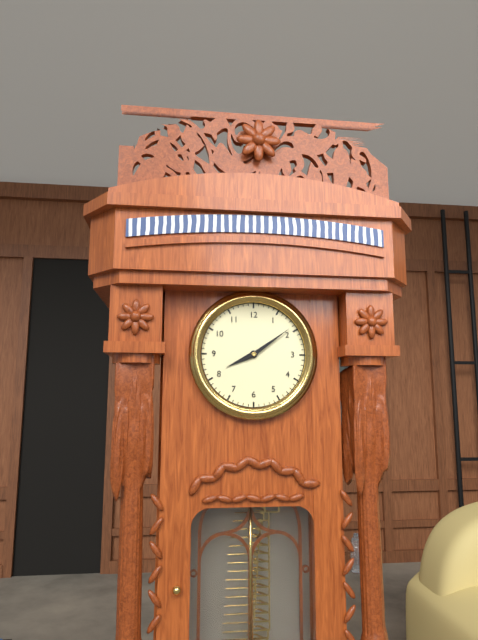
8,09
